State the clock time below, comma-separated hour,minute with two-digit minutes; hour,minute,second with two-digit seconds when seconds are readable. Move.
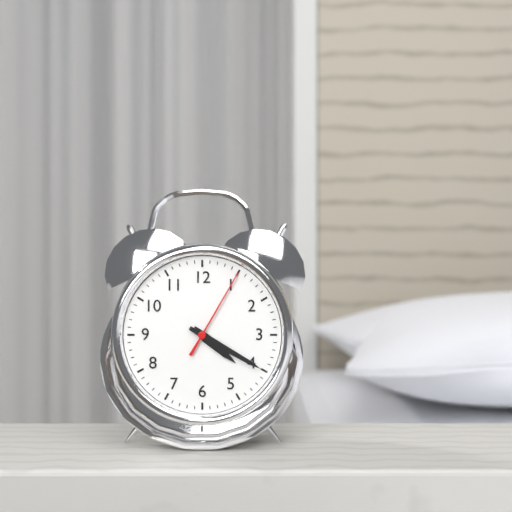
4,20,05
